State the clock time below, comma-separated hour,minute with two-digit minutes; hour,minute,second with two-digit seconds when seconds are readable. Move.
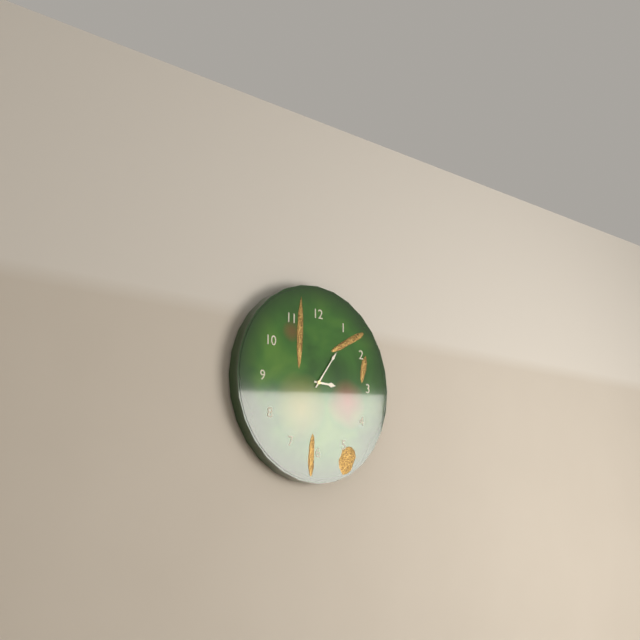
3,06
